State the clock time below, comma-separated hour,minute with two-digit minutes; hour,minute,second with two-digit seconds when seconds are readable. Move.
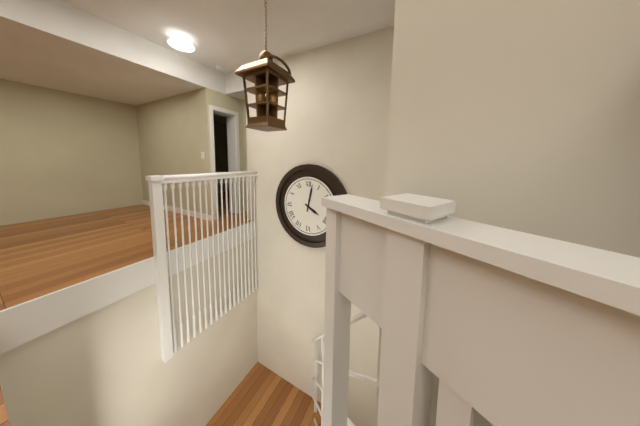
4,02
